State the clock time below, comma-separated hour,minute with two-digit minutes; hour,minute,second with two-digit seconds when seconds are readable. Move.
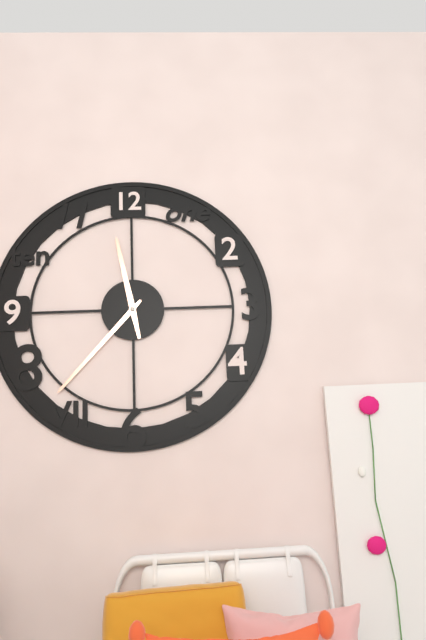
11,37
